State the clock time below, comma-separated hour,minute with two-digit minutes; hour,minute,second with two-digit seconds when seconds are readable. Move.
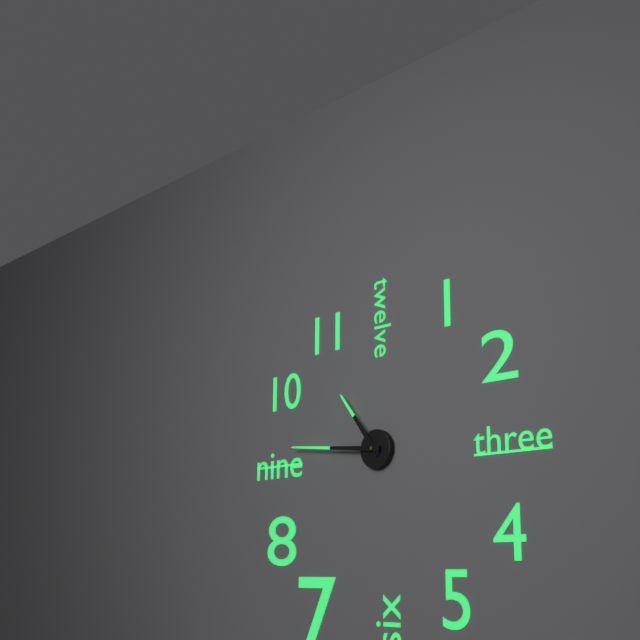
10,46
